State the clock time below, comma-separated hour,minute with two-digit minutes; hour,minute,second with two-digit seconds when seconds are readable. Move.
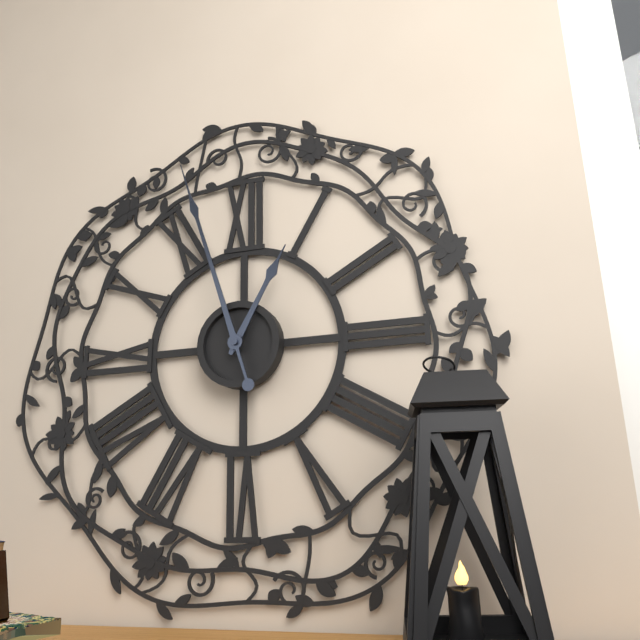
12,57
